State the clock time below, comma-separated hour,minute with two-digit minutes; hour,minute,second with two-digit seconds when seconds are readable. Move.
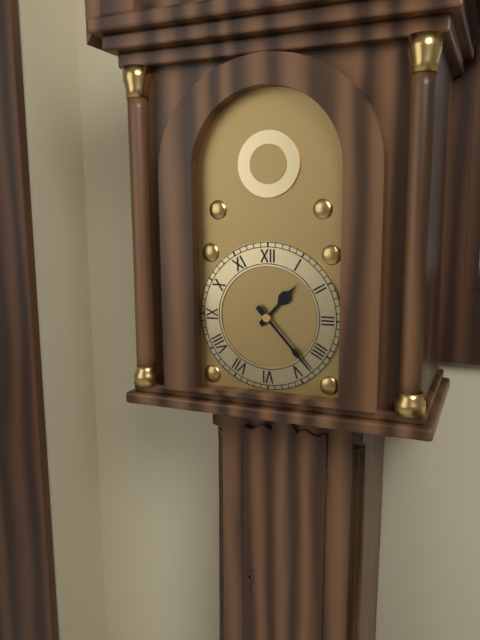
1,23
